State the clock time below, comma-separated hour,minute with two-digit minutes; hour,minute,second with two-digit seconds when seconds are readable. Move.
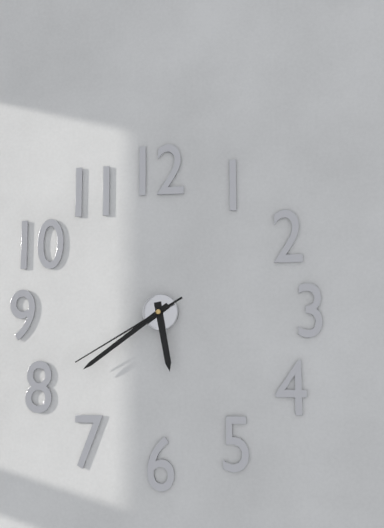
5,39,40
